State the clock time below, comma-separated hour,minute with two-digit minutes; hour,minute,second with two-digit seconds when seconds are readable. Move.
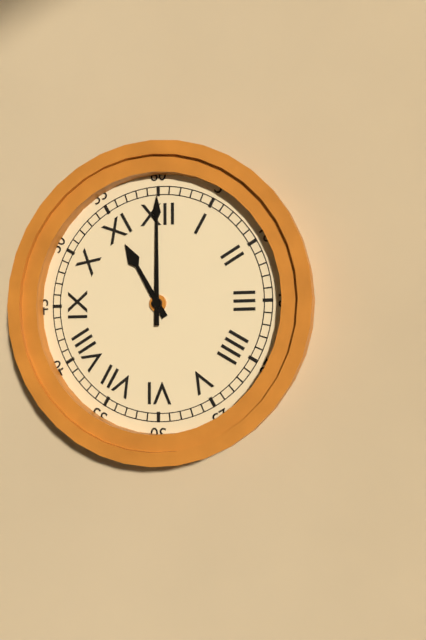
11,00
